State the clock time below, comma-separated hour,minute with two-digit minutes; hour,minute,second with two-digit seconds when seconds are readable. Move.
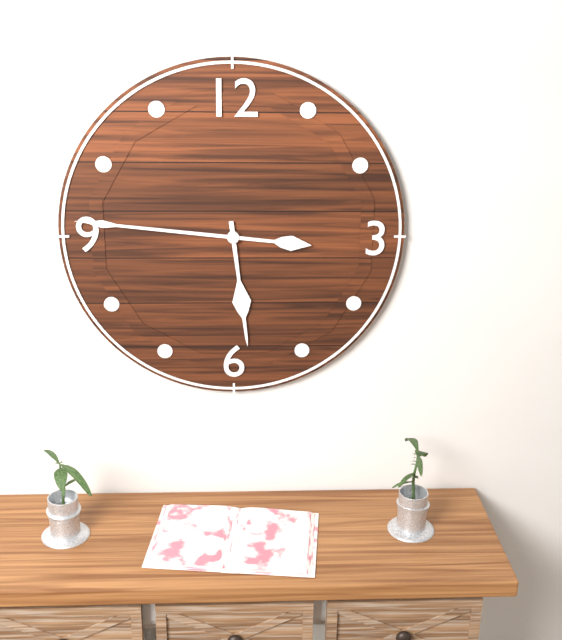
5,46
